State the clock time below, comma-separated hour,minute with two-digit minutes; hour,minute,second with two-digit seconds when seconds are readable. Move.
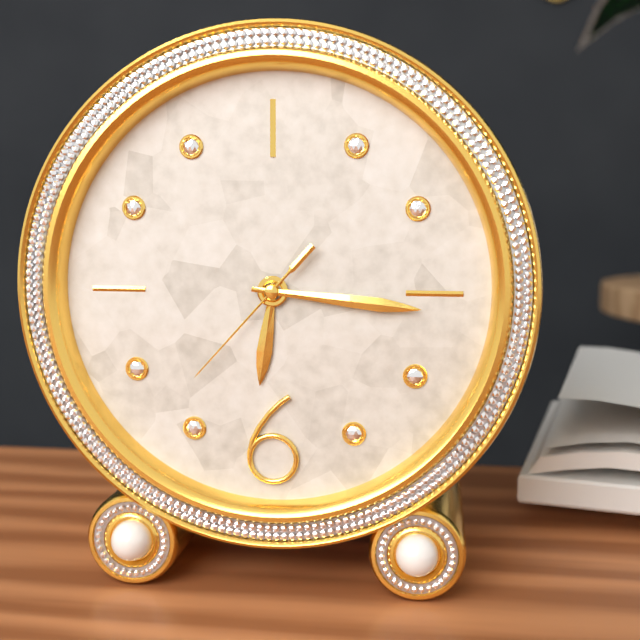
6,16,37
